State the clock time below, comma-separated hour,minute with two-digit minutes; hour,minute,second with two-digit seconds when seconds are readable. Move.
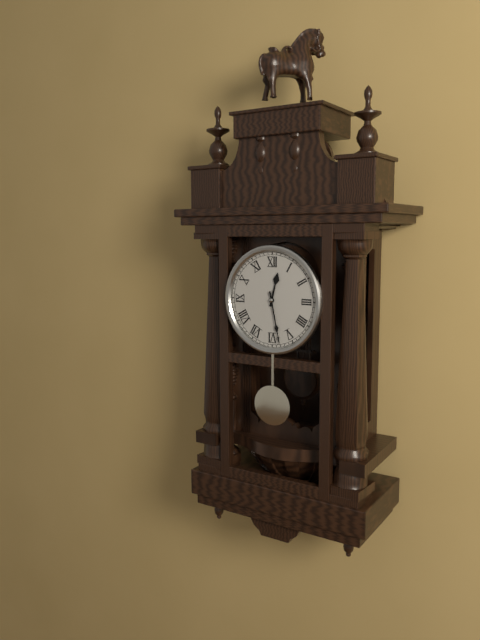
12,28
